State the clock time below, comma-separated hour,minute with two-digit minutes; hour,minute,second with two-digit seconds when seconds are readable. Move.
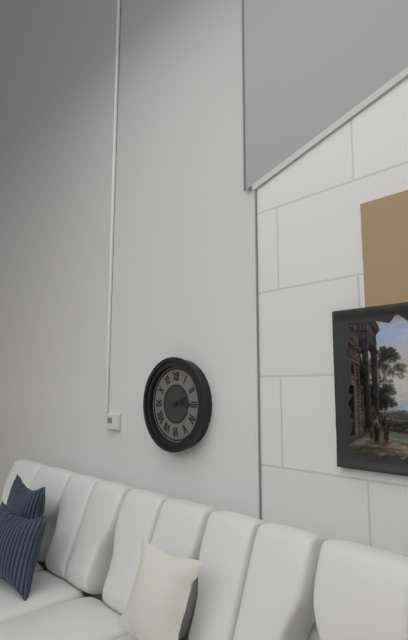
2,15
